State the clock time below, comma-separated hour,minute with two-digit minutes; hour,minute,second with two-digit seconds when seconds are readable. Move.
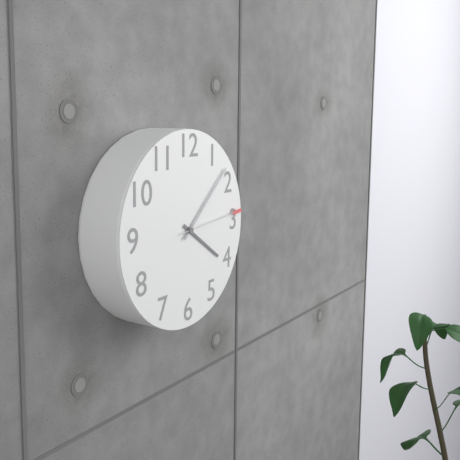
4,08,14
